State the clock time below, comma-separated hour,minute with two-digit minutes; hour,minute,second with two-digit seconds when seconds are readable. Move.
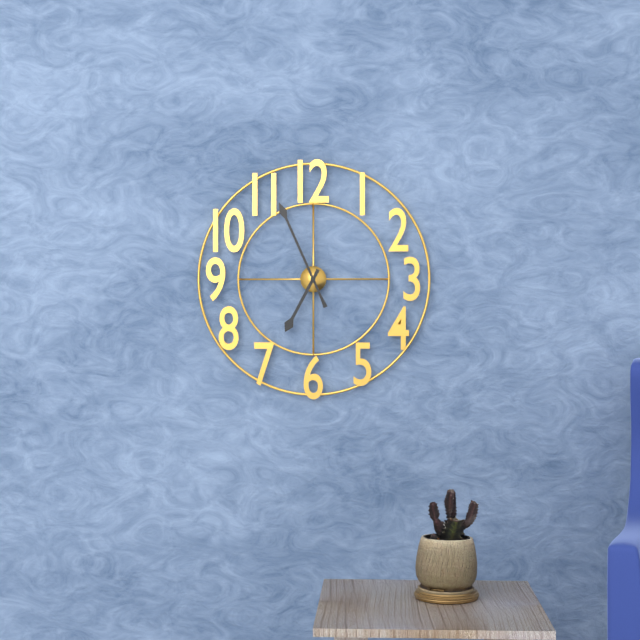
6,56
